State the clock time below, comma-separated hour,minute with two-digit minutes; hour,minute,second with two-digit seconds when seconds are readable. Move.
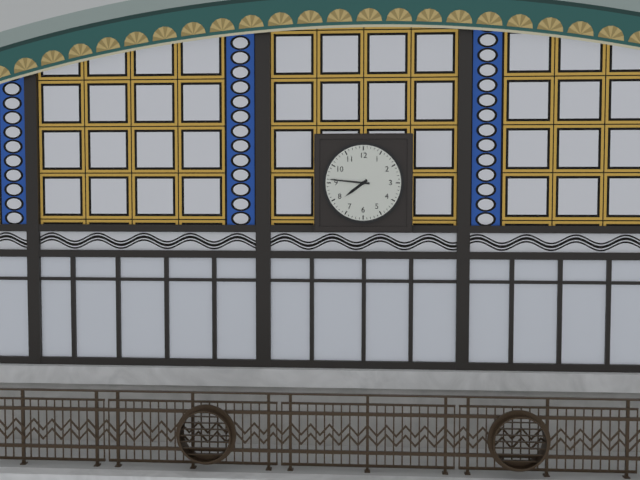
7,46
